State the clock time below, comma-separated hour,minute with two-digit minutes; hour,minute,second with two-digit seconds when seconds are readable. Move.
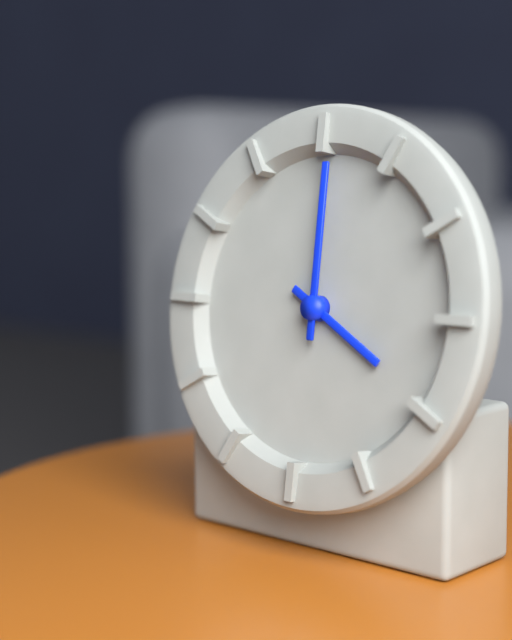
4,00
